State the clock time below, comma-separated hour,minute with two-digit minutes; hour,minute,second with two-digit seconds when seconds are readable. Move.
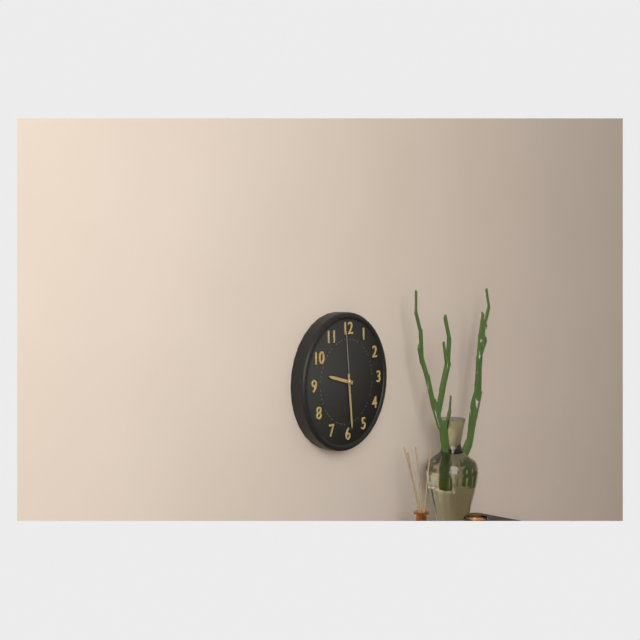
9,29,59
